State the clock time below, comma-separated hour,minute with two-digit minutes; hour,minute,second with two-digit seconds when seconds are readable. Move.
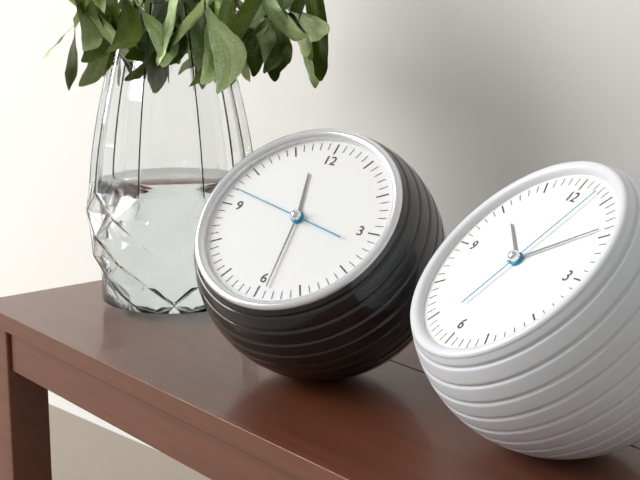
11,29,47
